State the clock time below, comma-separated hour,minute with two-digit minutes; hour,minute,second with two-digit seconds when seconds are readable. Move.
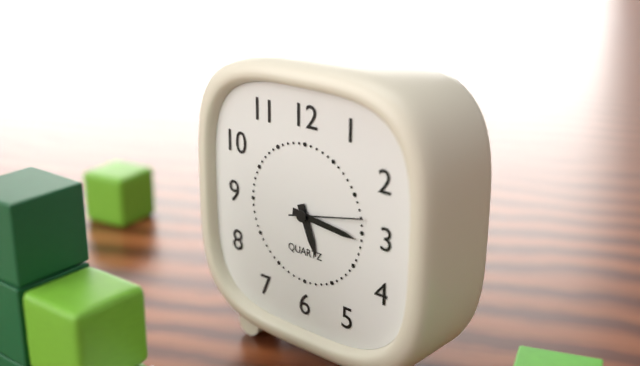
5,16,13
